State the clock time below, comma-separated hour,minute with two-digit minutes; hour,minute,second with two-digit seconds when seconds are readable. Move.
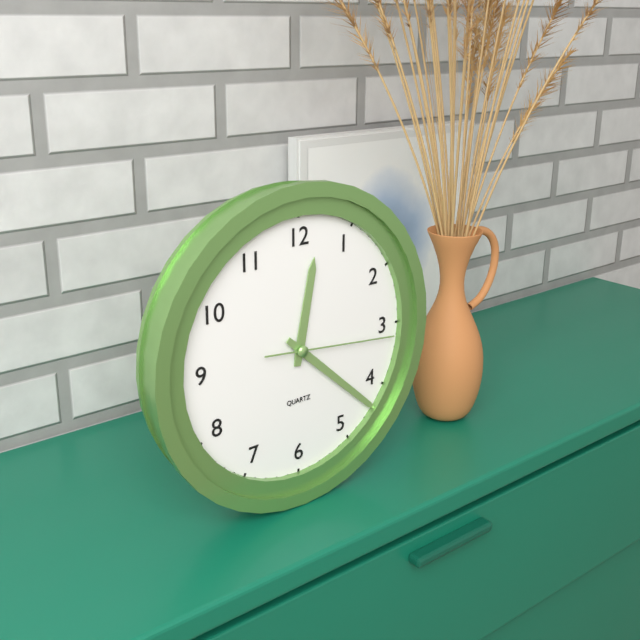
12,22,16
